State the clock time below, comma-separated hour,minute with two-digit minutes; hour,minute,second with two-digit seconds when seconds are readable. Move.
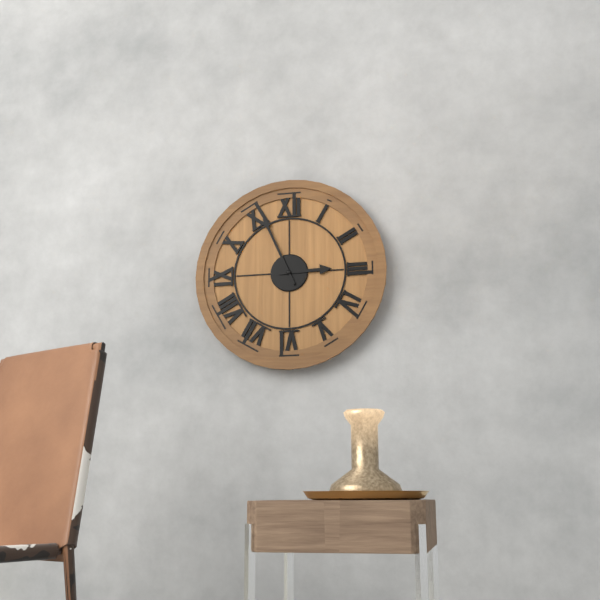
2,56
